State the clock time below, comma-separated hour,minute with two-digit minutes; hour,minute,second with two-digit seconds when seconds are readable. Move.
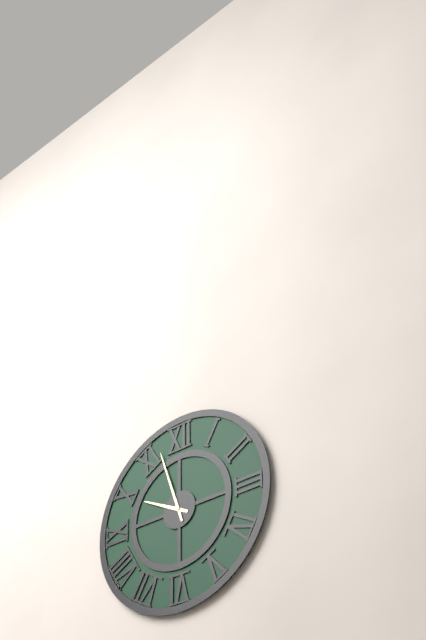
9,57
